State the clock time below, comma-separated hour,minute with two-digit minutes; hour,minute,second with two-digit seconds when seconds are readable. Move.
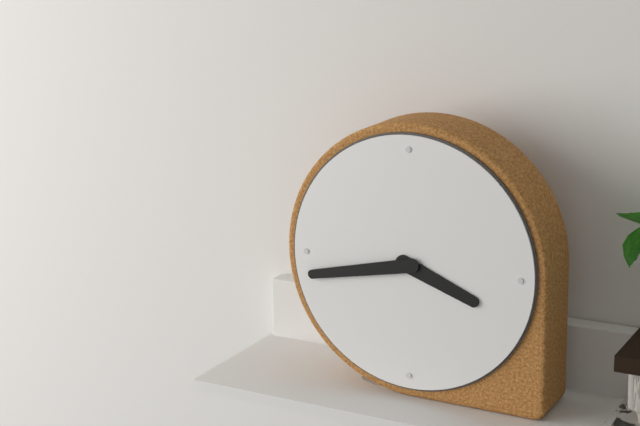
3,43
